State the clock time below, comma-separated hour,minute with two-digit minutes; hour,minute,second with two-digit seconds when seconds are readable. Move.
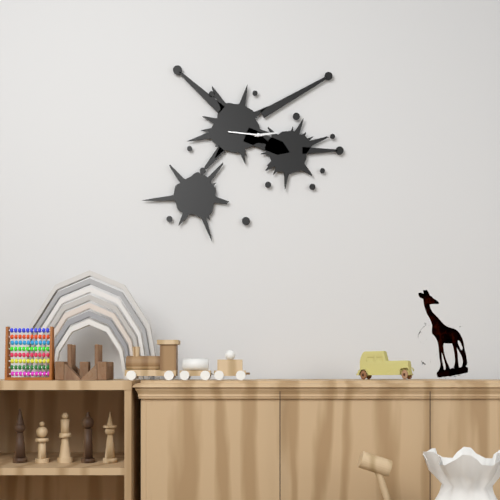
2,46
